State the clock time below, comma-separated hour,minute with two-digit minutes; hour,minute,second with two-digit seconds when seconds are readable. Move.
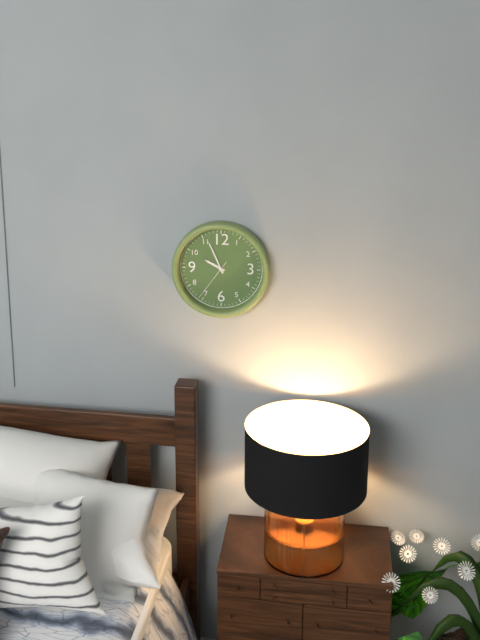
9,56
